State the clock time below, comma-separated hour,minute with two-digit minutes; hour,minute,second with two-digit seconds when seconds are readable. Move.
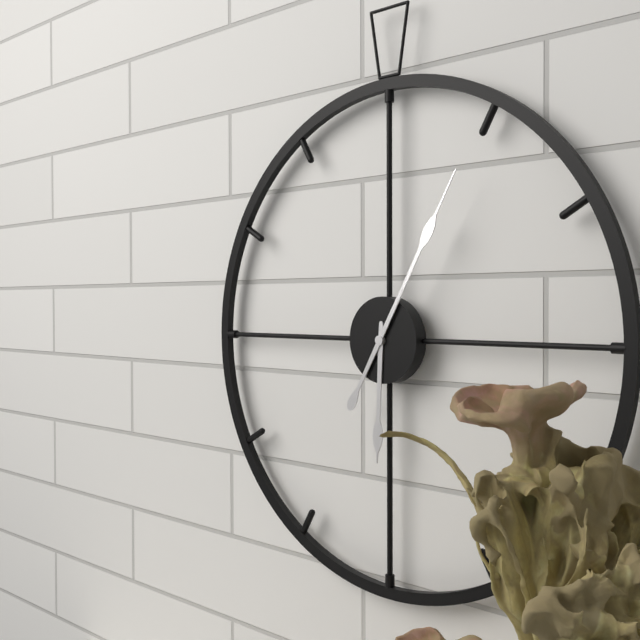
6,05
